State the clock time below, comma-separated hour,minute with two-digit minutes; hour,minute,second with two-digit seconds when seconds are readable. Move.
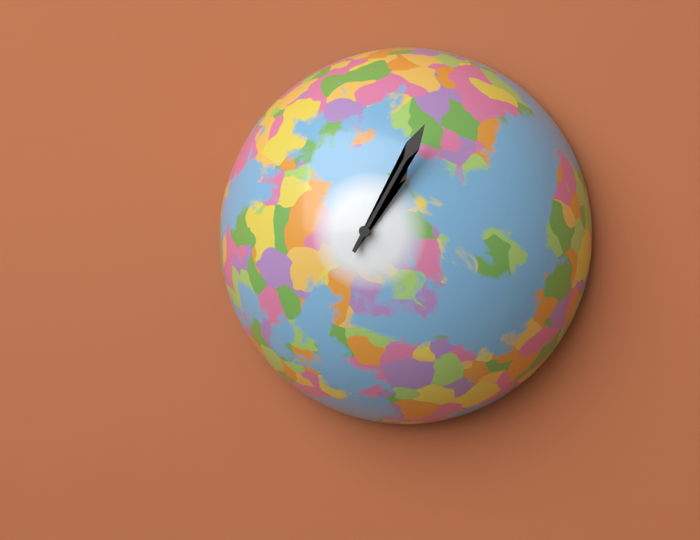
1,05
